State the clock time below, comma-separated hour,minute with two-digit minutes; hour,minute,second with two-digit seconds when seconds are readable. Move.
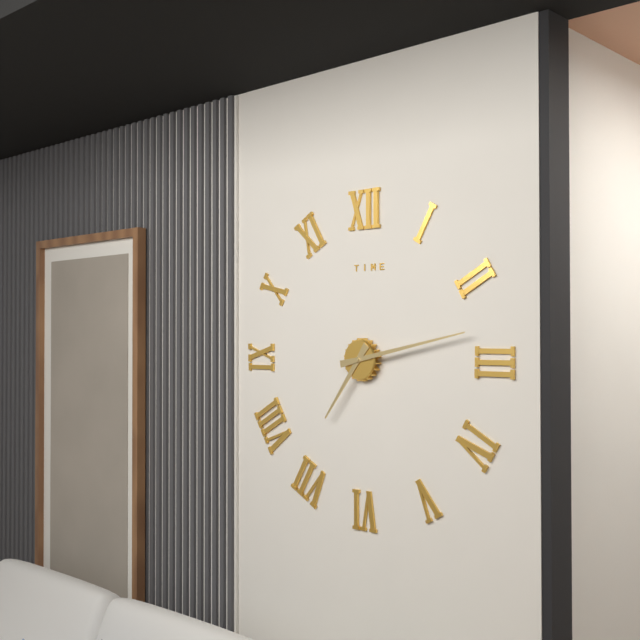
7,13
